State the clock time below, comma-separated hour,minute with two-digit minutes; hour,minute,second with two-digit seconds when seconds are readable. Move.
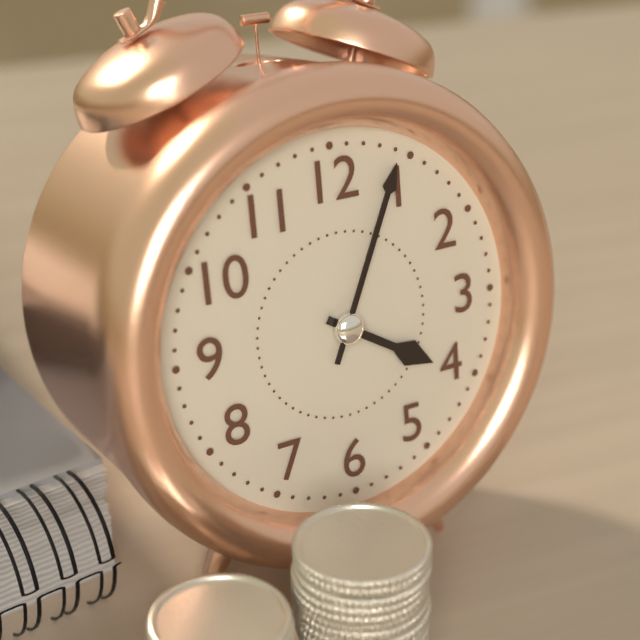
4,04
